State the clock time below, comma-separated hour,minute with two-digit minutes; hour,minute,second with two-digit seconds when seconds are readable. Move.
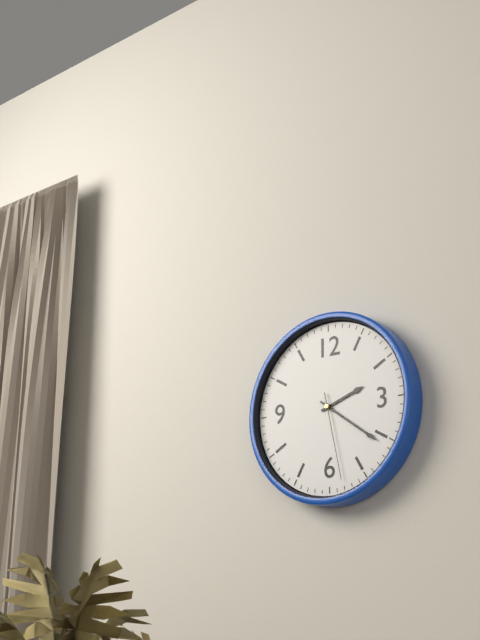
2,21,28
